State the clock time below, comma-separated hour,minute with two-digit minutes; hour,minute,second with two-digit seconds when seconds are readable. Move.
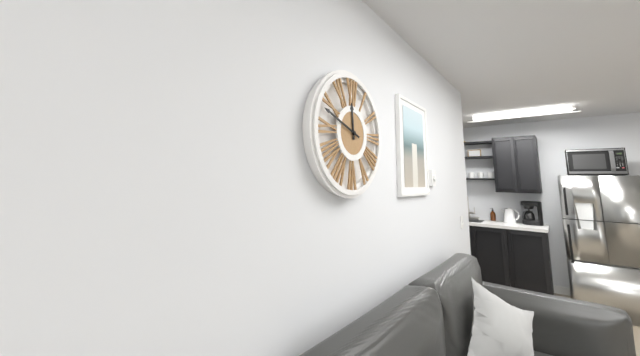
11,48
